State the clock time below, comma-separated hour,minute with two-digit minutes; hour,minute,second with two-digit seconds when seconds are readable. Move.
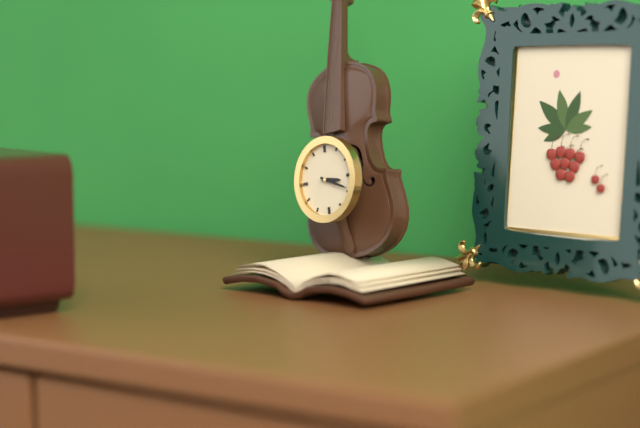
3,19
